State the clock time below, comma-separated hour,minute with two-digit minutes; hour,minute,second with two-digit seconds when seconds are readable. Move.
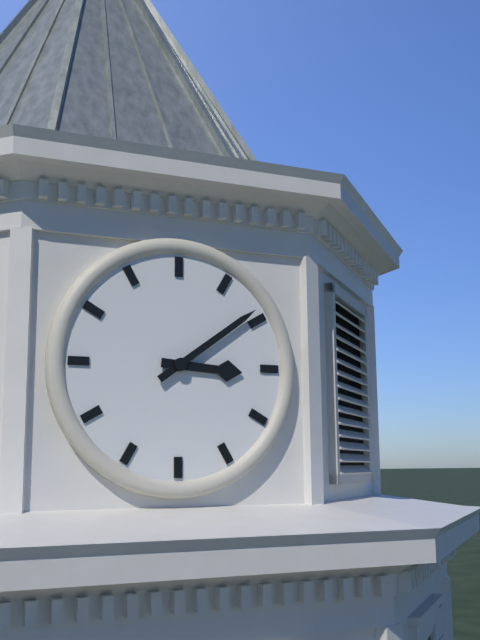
3,09
